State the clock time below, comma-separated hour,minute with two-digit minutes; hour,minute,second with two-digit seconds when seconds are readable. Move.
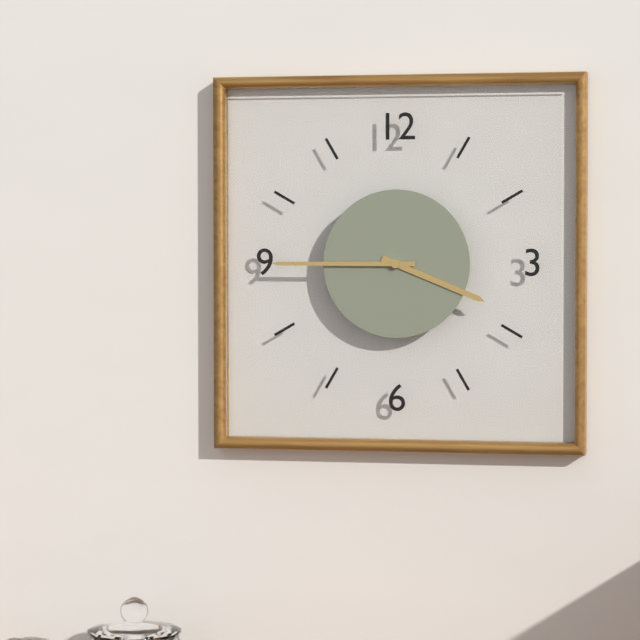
3,45
